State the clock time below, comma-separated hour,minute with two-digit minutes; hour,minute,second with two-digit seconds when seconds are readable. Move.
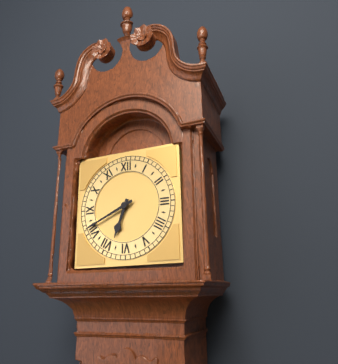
6,41
